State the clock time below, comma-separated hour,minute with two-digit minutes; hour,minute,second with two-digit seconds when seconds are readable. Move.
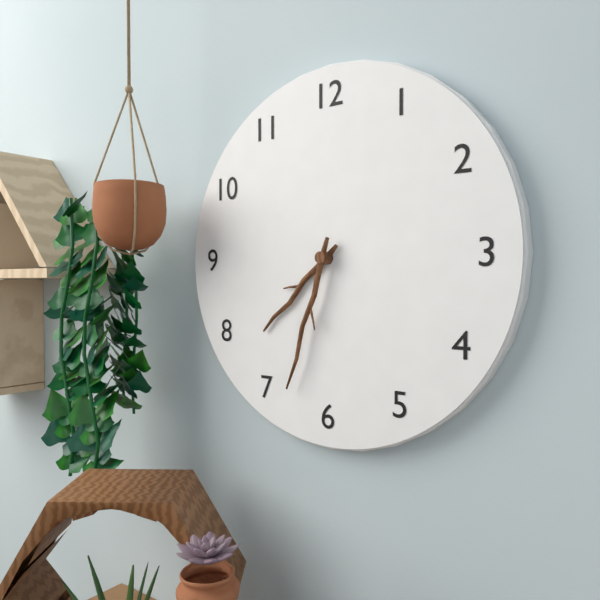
7,33
